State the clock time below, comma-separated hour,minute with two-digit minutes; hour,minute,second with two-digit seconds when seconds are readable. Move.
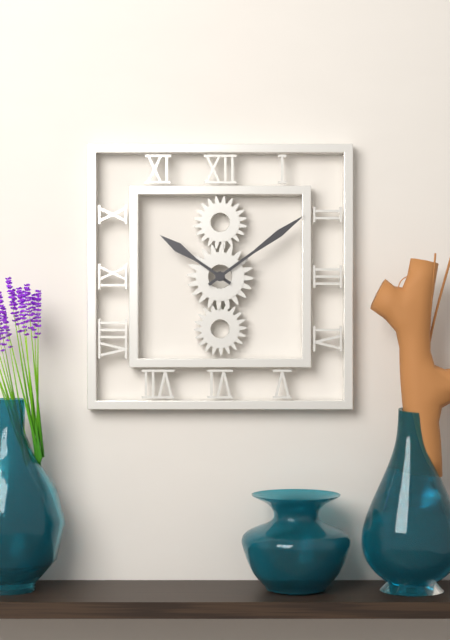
10,09
